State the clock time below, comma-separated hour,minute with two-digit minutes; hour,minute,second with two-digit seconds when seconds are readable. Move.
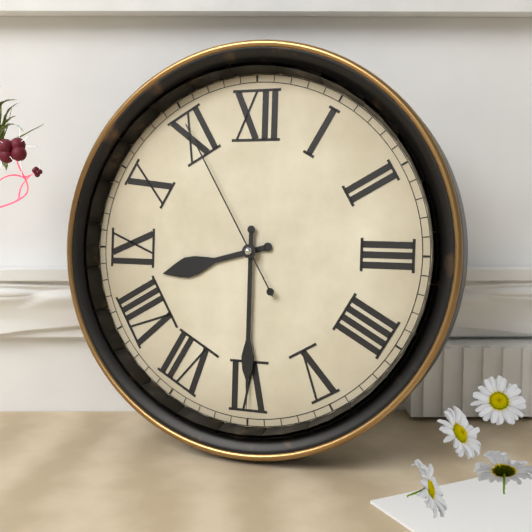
8,30,55
